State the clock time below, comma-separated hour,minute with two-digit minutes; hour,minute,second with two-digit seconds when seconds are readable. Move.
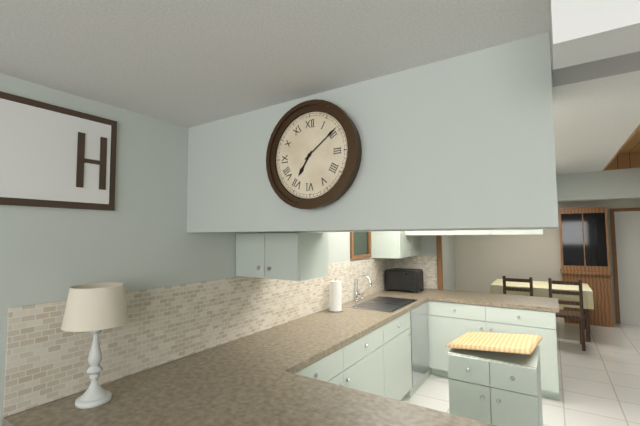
7,09
